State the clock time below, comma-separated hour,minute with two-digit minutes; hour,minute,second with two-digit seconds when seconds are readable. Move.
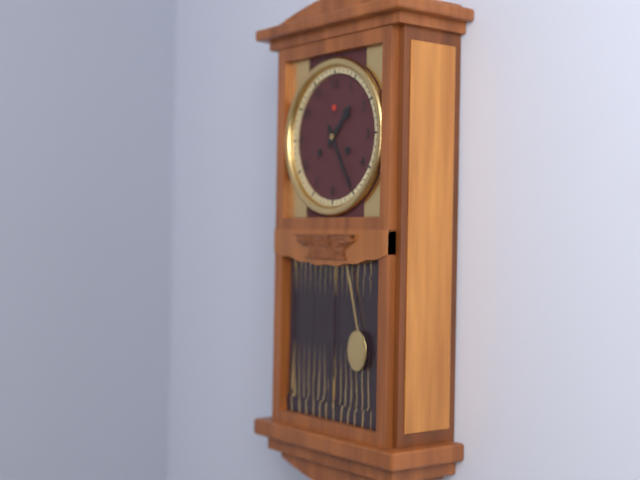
1,25
